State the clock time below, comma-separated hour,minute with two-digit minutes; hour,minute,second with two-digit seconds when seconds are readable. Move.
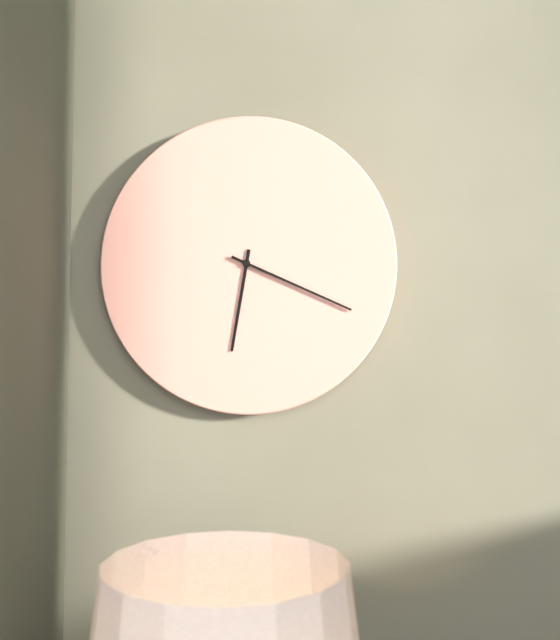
6,19
